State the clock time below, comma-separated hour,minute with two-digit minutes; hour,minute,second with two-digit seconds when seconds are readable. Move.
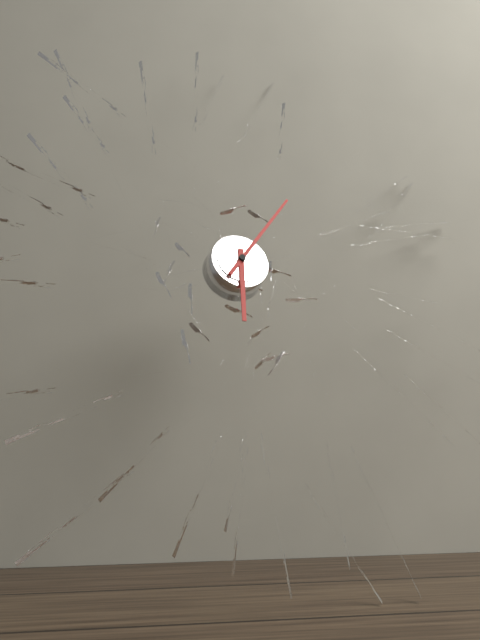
6,06
